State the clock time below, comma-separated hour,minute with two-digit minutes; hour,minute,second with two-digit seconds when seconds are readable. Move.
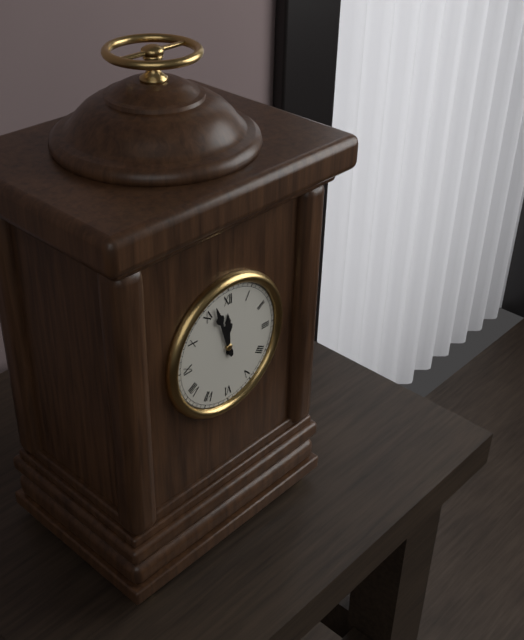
11,57
